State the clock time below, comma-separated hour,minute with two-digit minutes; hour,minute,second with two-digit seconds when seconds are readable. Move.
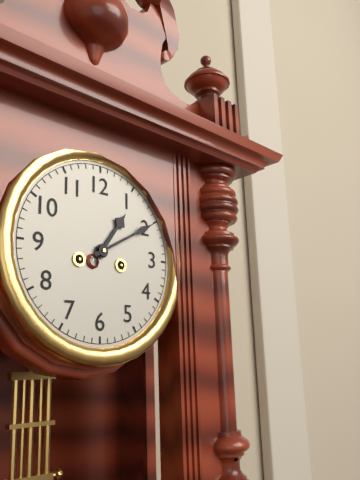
1,10
